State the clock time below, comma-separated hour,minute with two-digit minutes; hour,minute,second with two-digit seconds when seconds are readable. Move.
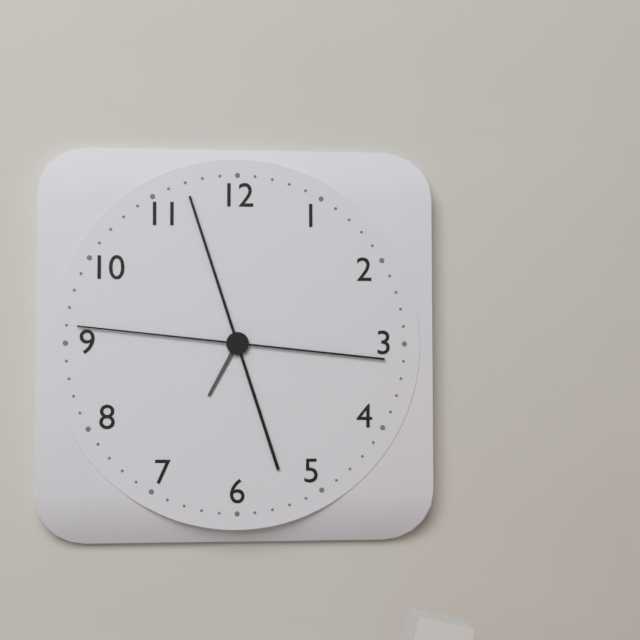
6,57,46
